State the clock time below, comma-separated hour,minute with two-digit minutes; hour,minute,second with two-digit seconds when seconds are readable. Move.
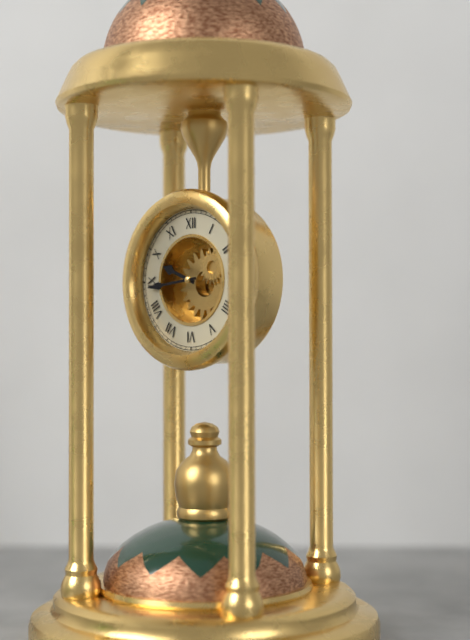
9,44
